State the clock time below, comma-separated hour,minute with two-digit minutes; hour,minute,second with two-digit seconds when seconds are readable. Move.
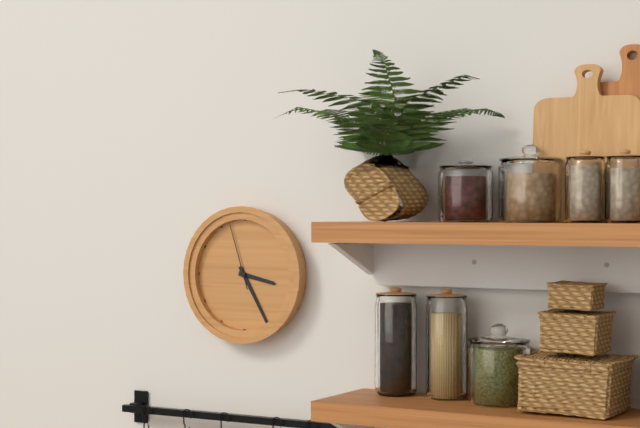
3,25,57
